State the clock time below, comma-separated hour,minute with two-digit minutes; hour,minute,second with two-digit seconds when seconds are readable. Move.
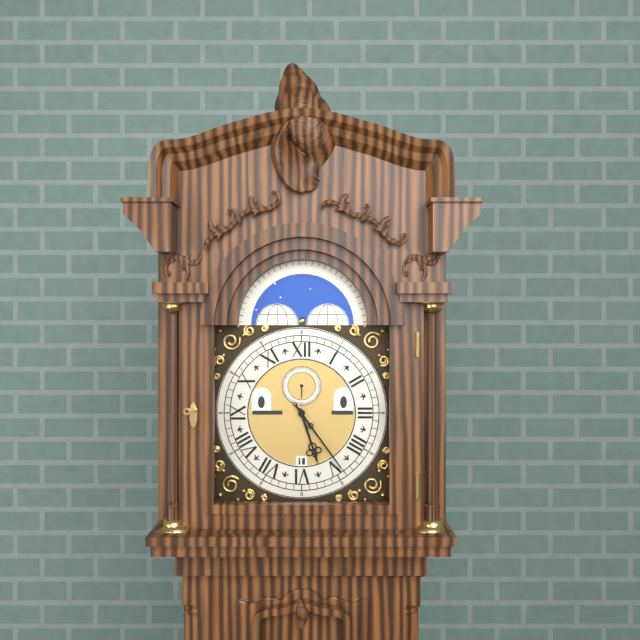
5,24
